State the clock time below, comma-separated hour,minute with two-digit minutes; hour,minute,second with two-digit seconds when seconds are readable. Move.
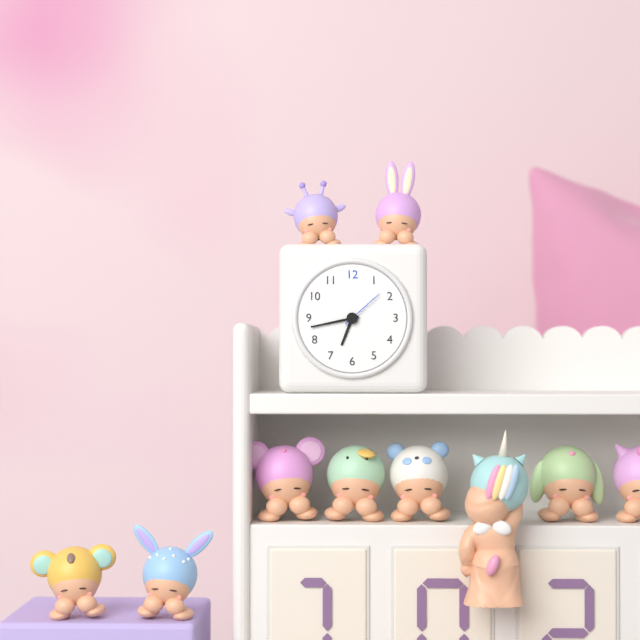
6,43
